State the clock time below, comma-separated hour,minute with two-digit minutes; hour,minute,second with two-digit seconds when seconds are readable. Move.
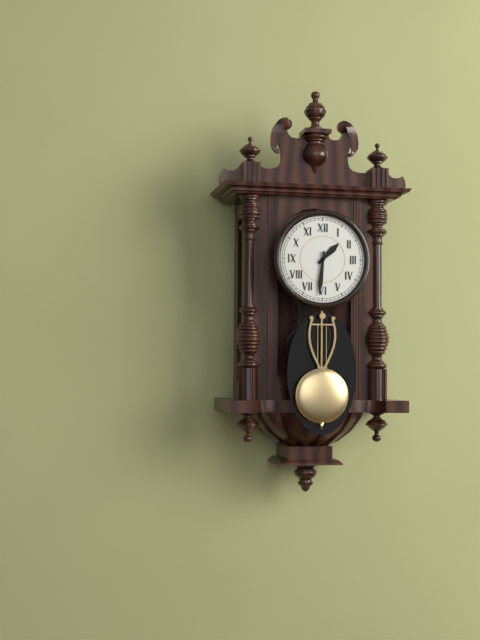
1,31
